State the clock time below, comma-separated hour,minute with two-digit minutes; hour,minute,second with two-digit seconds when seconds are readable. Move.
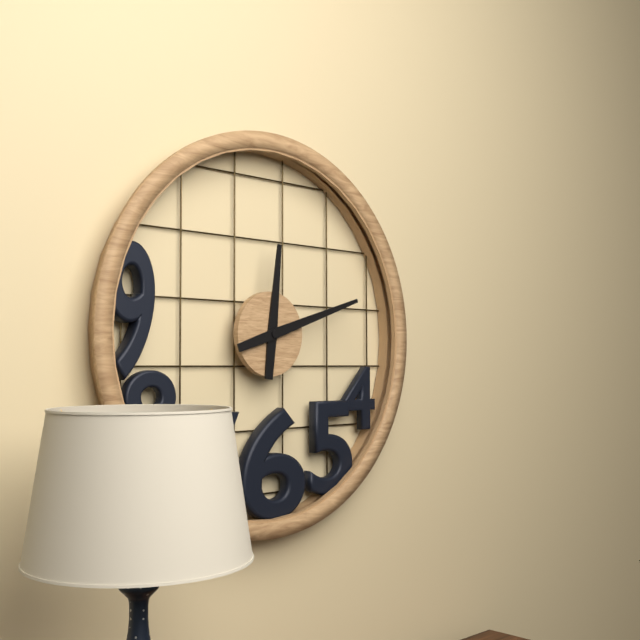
12,12
